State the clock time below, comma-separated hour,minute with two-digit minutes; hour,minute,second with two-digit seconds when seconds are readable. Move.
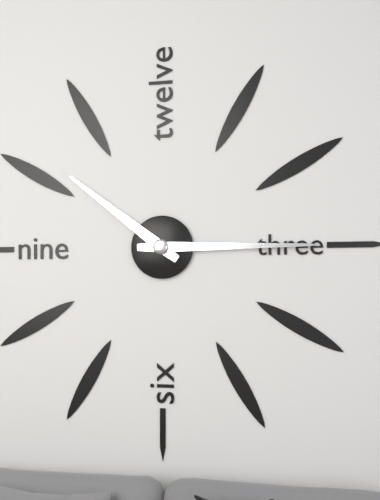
10,15
